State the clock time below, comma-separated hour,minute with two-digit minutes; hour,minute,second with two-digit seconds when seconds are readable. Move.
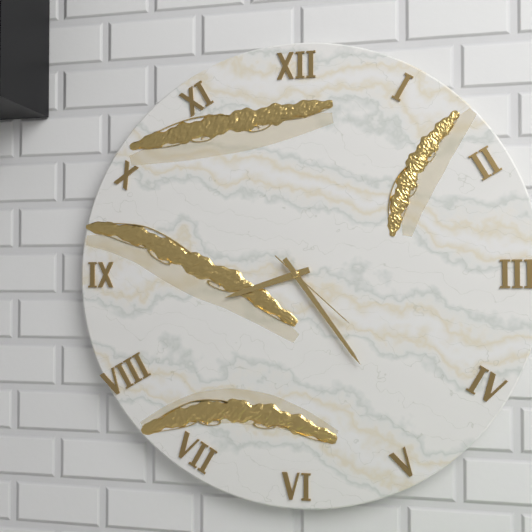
8,24,22
